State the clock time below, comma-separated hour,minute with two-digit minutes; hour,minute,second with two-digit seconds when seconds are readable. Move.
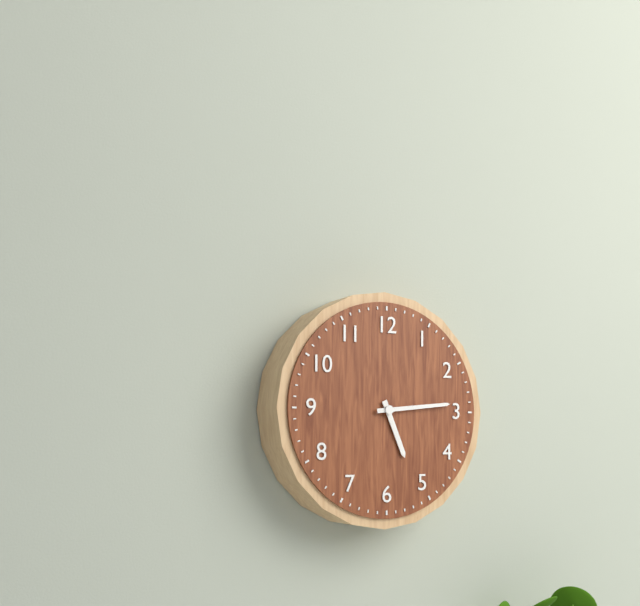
5,14
